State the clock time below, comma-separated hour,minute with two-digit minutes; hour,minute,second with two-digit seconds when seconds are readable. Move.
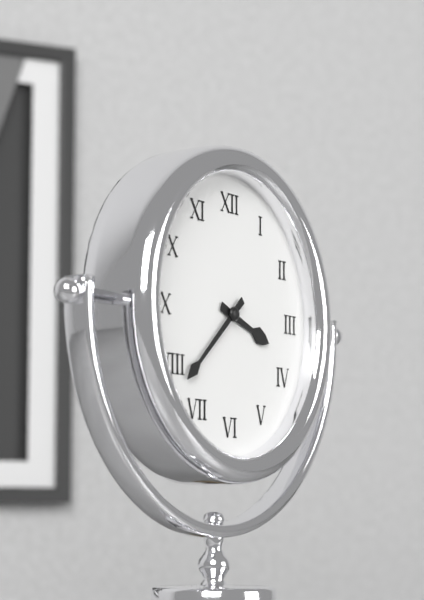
3,38
